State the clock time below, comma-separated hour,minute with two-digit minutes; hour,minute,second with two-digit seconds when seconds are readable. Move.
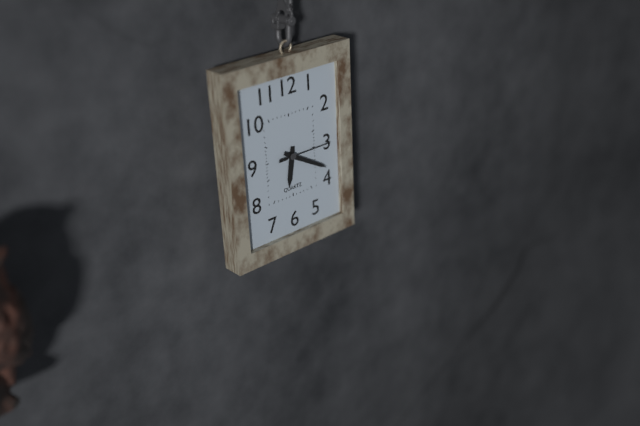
6,20,15
